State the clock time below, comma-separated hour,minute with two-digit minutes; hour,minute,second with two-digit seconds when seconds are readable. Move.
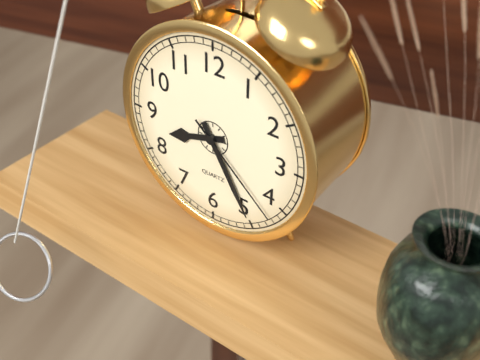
8,25,22
